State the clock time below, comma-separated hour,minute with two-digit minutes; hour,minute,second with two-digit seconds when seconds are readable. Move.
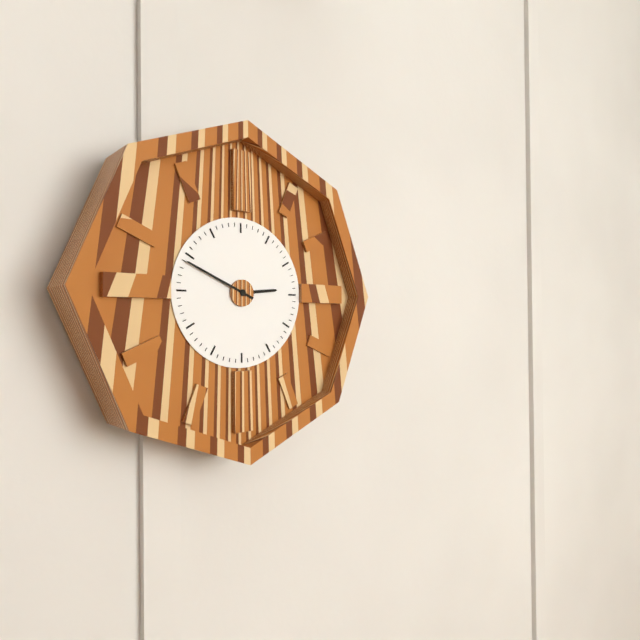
2,49
